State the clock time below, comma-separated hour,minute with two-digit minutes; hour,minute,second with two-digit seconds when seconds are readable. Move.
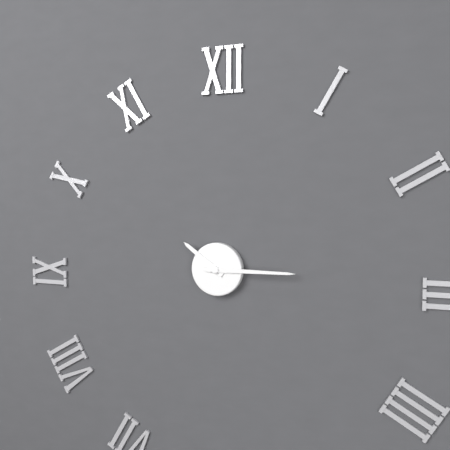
10,15
